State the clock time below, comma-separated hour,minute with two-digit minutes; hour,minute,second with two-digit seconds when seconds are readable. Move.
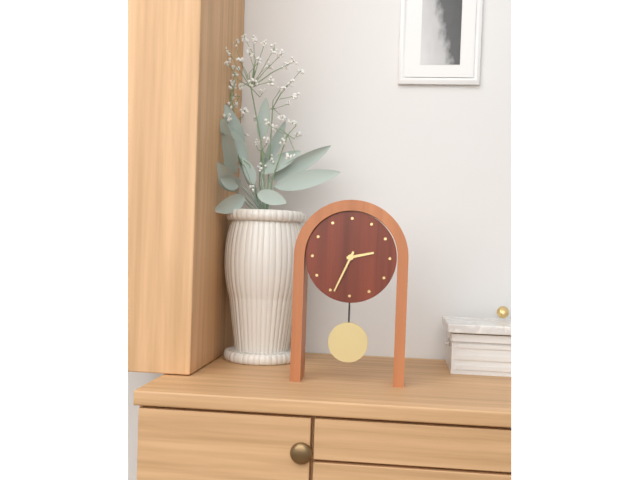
2,34
